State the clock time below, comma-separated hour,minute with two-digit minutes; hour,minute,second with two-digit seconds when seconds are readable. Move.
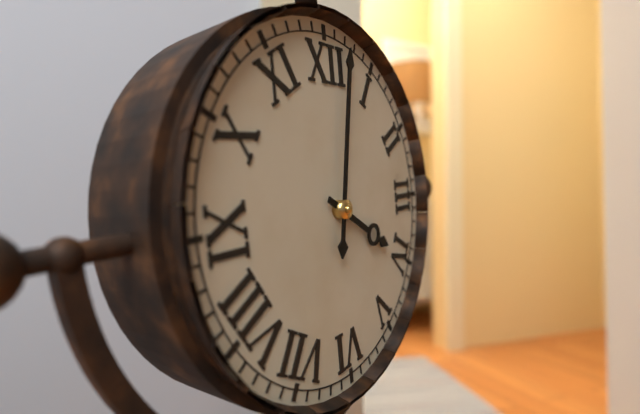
4,02
